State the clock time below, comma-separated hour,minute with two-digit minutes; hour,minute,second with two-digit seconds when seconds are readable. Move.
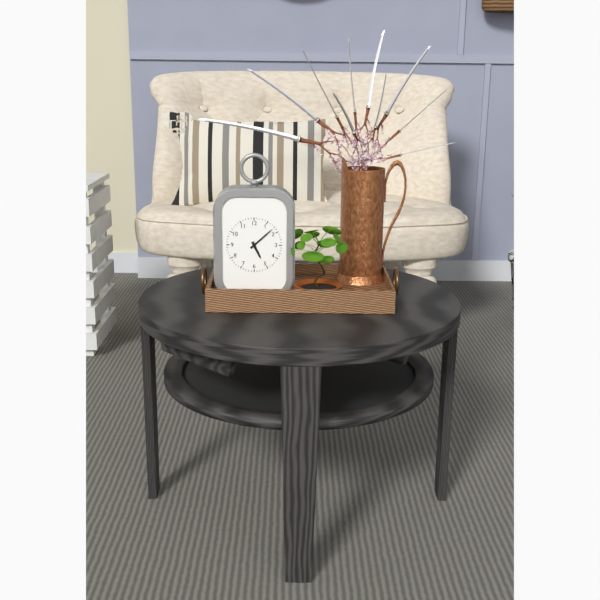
5,08
